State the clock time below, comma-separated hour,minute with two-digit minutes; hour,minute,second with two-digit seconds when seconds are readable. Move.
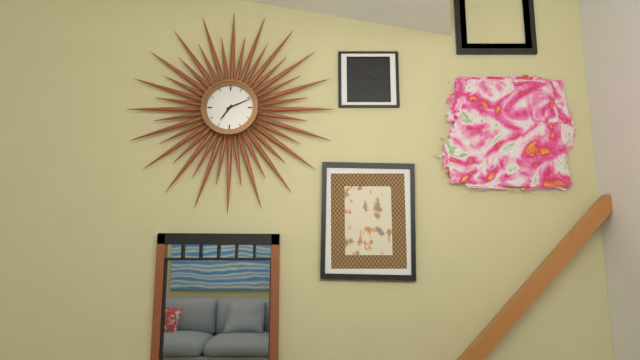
7,11
